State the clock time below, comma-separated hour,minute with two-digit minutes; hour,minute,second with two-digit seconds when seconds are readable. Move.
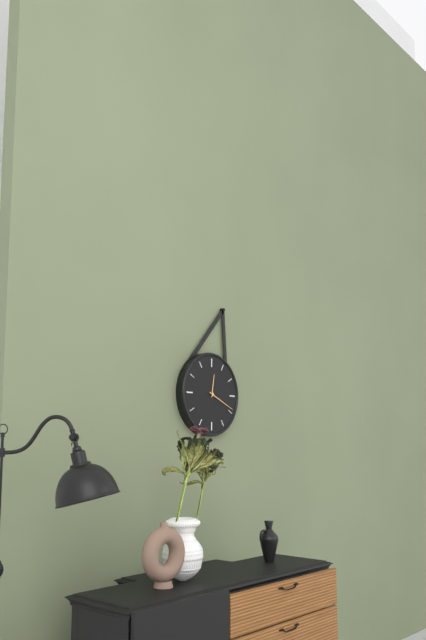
12,19
